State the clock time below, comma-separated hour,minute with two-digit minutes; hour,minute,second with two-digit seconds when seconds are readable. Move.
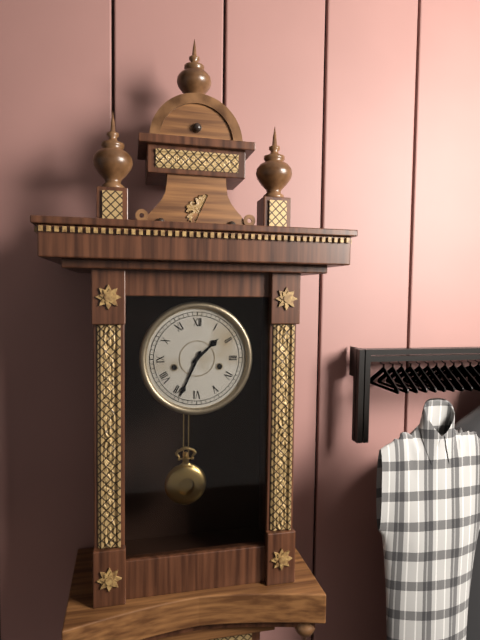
1,34
